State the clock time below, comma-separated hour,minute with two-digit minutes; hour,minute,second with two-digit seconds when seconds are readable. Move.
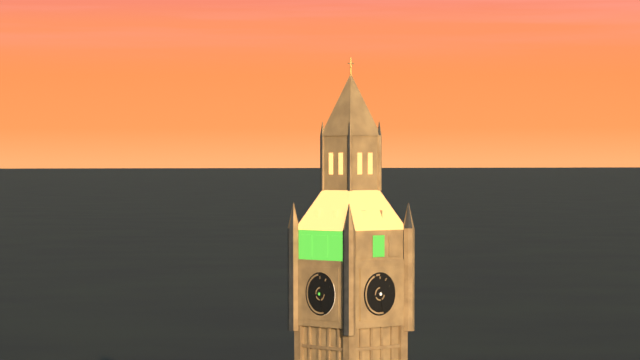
8,28
